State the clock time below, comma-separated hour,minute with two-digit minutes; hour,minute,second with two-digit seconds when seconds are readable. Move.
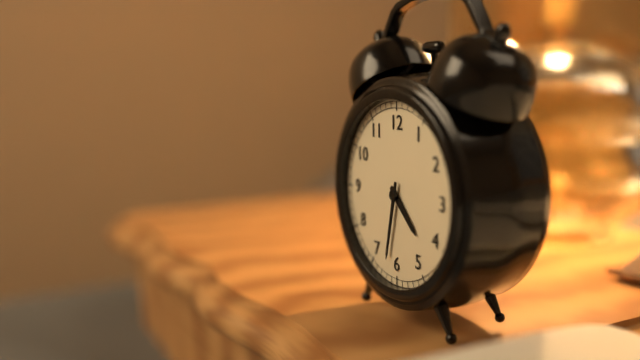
4,32
